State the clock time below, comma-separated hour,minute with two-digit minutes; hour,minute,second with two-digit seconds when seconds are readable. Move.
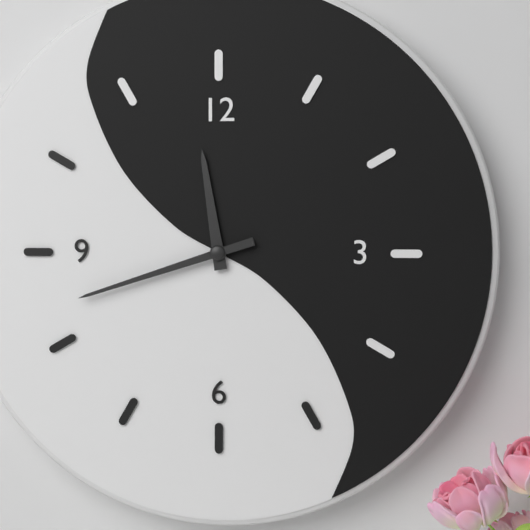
11,42
